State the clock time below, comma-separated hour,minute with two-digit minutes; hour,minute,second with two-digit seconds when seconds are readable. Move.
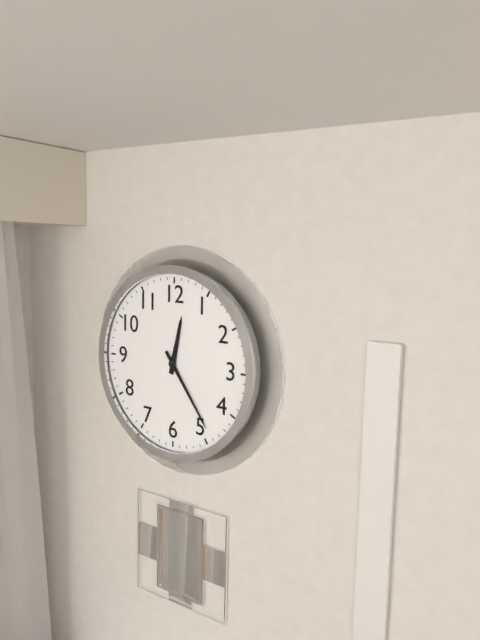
12,24
